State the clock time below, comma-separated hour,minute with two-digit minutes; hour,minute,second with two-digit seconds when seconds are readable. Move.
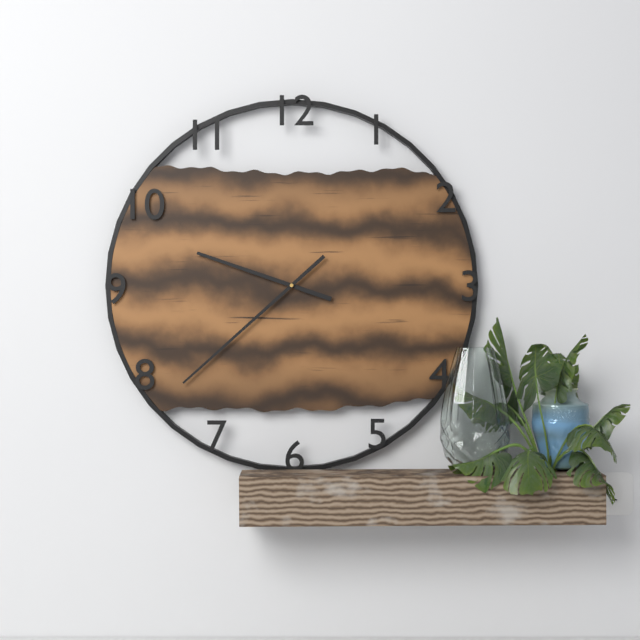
9,38
